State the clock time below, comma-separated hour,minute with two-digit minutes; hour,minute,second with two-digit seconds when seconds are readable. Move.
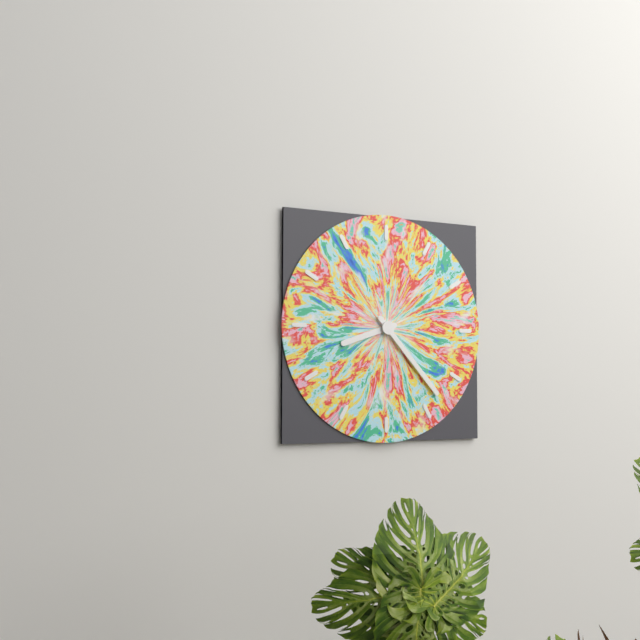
8,23
